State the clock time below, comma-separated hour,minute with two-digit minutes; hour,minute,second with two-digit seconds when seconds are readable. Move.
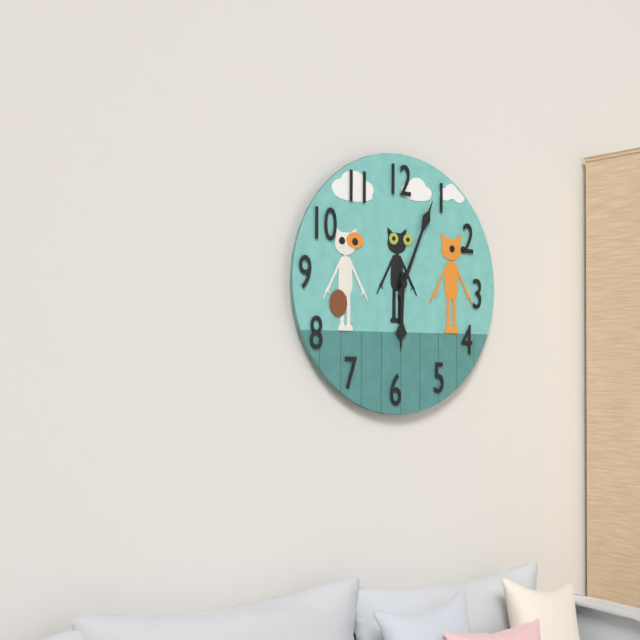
6,04
